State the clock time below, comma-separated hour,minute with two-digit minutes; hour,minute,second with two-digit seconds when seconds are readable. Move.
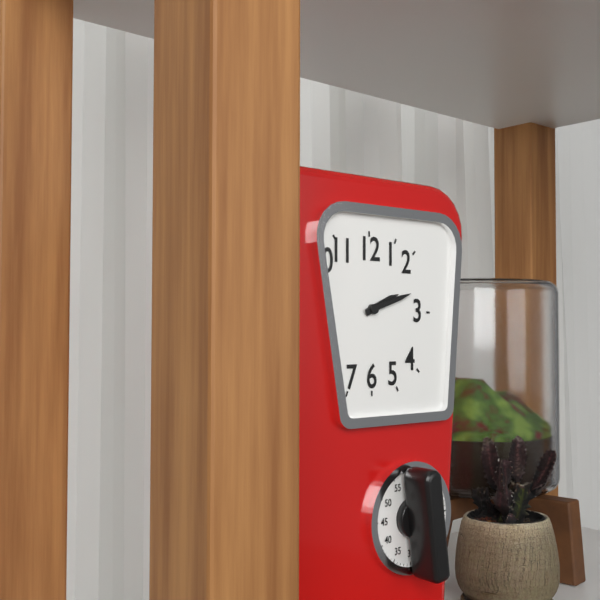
2,12
